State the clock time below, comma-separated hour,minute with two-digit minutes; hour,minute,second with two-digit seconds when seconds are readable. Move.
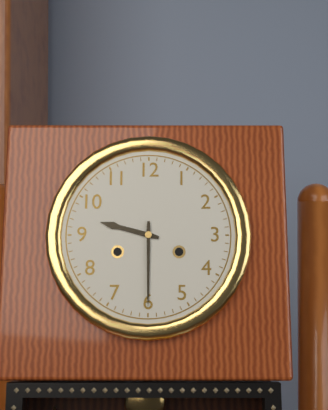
9,30
